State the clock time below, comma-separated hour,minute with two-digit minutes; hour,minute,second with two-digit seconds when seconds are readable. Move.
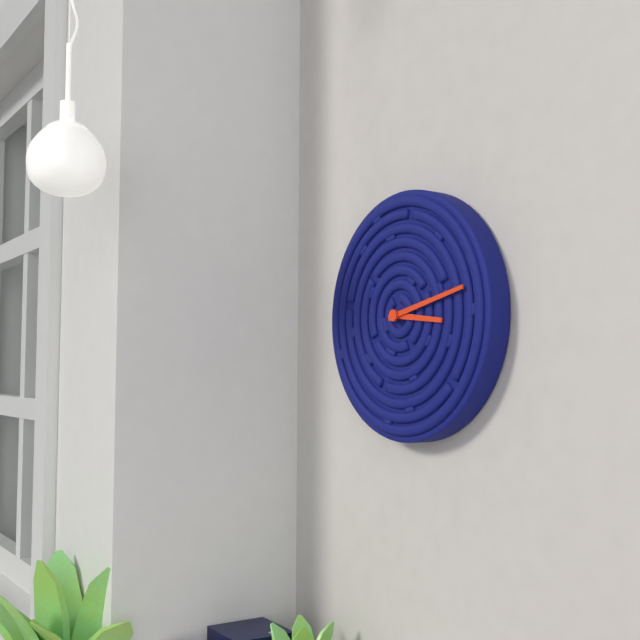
3,13
